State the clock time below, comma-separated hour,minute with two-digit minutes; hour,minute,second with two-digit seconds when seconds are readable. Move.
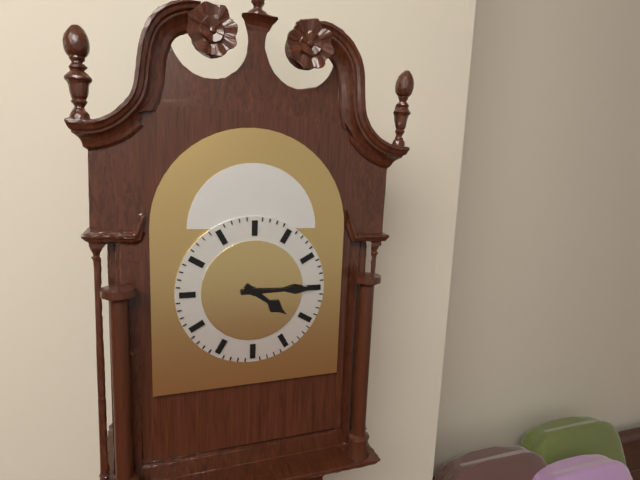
4,15
